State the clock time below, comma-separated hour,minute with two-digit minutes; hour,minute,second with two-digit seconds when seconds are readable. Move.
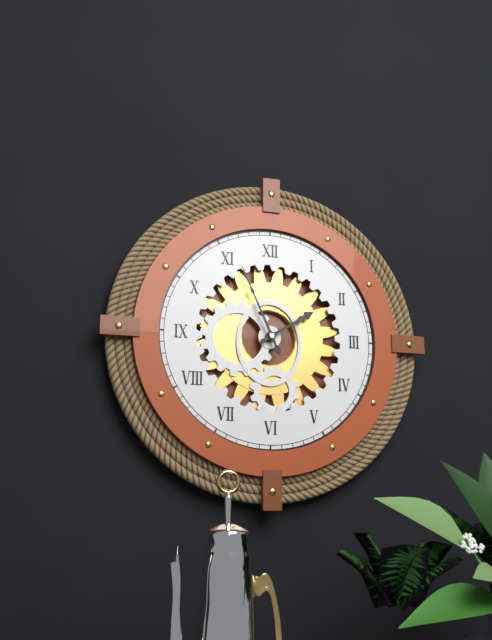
1,56
